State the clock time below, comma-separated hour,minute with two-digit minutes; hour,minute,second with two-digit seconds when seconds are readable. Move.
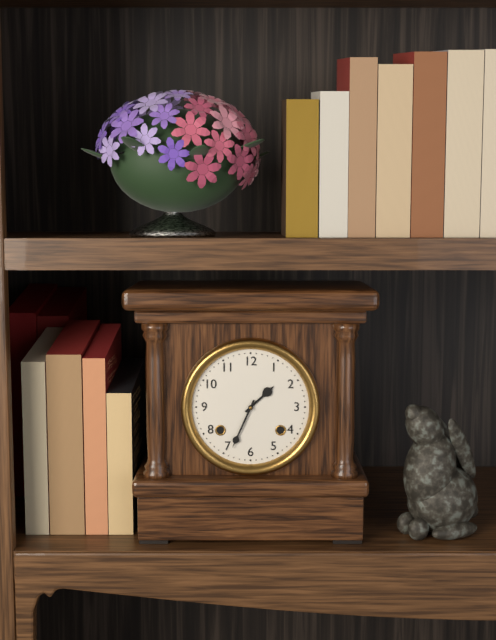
1,34
